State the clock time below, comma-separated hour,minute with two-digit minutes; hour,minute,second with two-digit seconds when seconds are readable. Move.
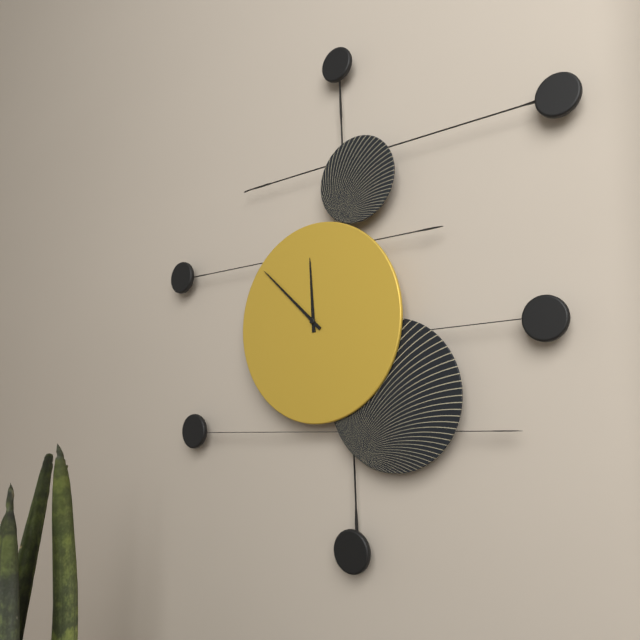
11,52
